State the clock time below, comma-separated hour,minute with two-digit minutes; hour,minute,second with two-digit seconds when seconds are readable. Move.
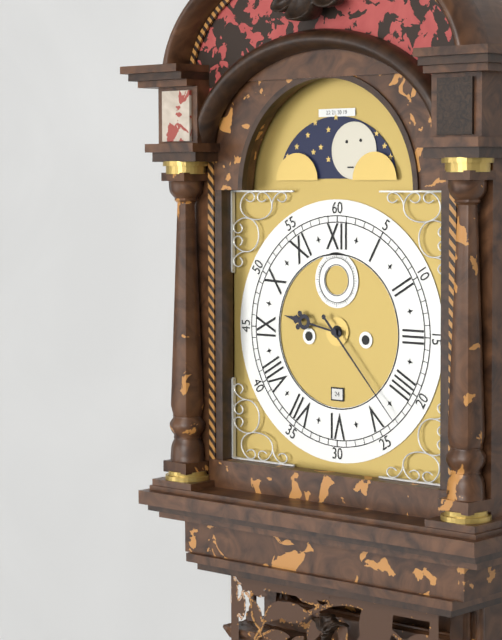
9,23
